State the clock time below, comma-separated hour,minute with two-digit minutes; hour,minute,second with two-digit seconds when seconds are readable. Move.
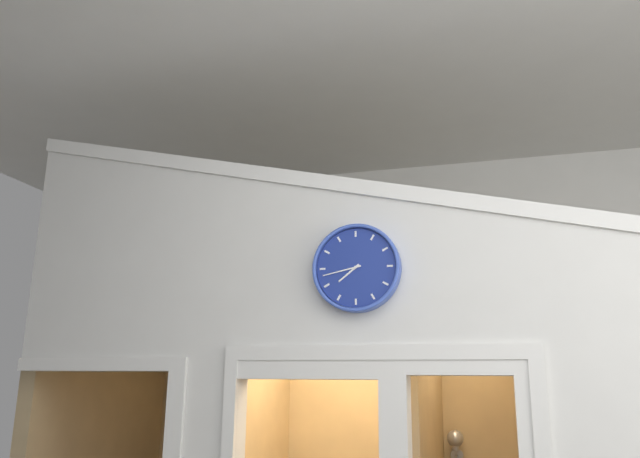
7,43
